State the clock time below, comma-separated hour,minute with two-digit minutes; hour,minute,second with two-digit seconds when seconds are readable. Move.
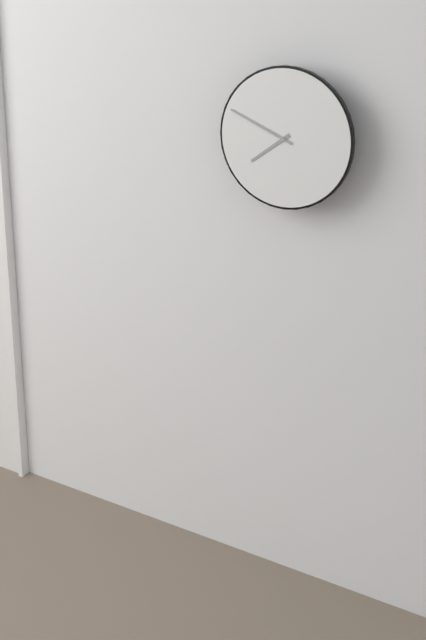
7,49
